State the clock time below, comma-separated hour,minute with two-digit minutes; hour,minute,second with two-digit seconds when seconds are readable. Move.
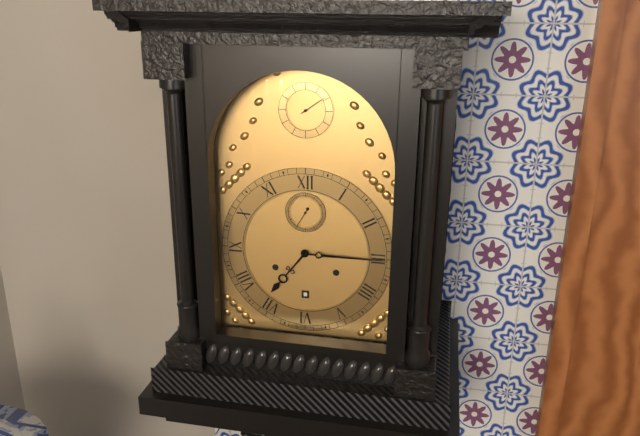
7,15
